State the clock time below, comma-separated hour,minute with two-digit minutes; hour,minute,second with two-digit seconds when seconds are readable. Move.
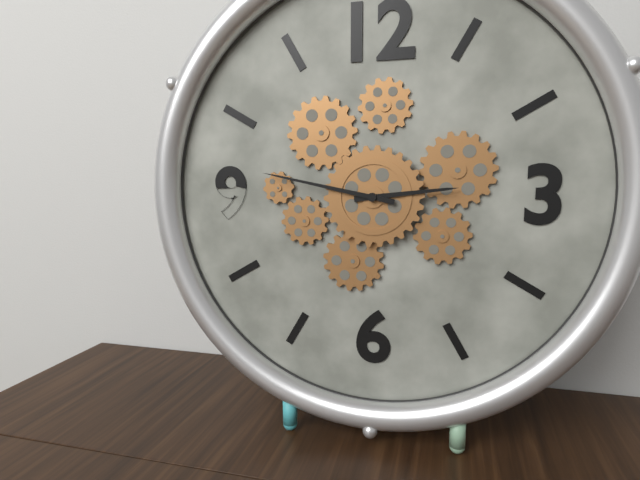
2,47
